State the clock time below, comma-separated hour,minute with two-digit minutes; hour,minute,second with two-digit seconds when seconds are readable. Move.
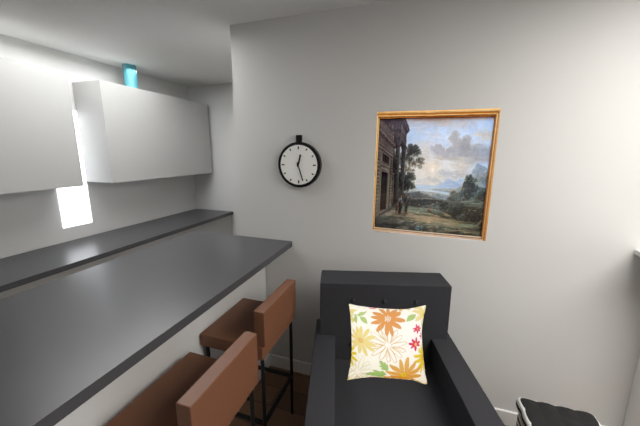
12,27
